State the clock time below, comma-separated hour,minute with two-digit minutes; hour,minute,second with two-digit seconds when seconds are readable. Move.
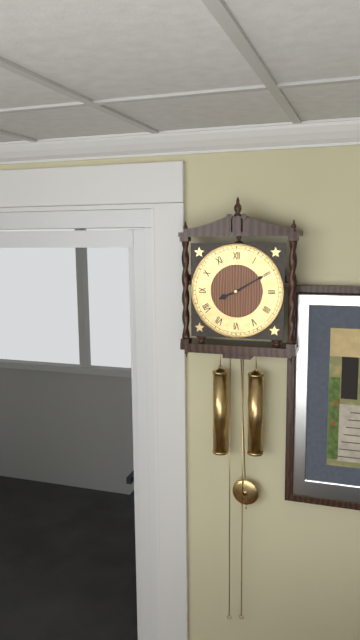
8,10
